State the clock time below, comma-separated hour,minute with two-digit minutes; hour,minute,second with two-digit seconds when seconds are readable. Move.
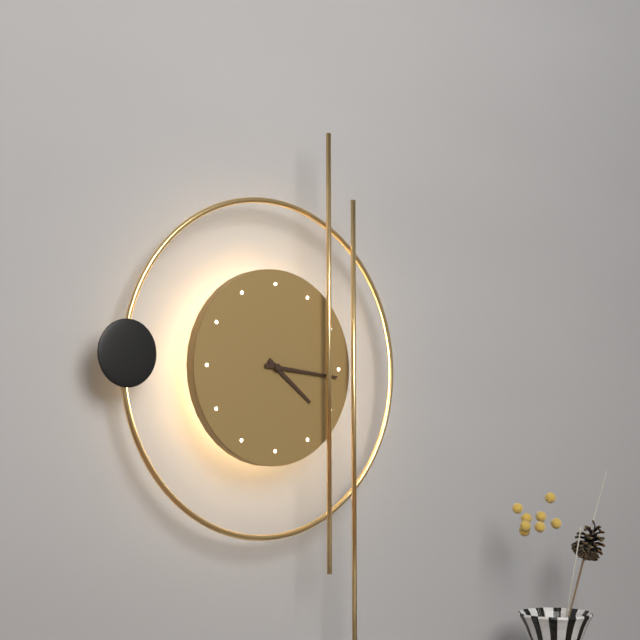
4,16
